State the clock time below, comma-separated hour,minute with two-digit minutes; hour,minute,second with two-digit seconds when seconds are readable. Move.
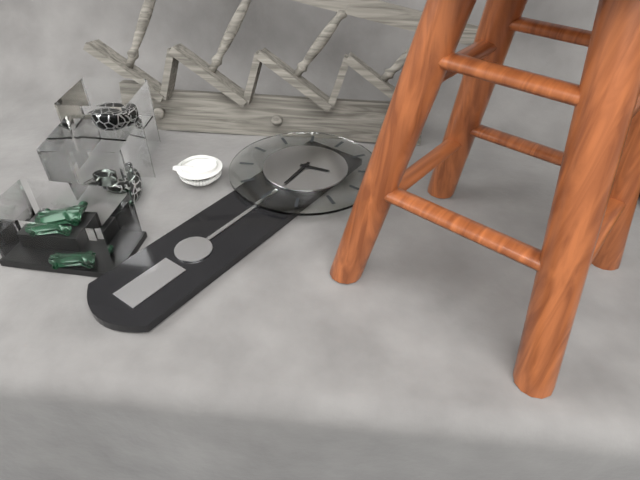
2,29
